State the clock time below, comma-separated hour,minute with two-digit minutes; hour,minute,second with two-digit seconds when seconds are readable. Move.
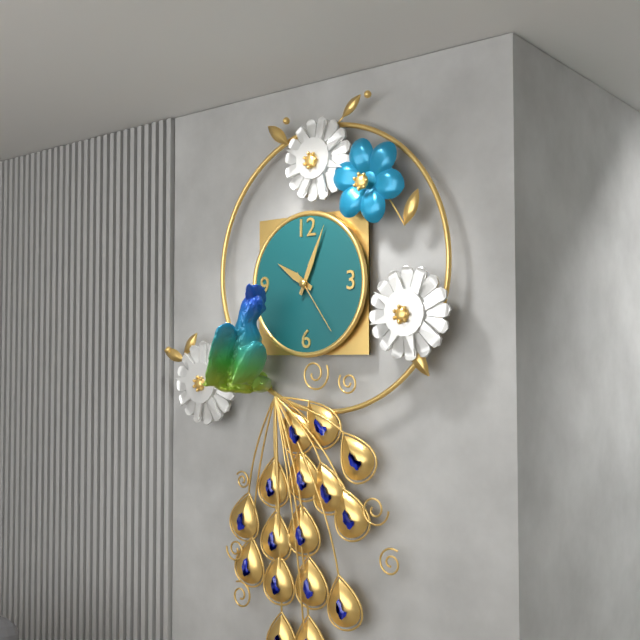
10,04,24
